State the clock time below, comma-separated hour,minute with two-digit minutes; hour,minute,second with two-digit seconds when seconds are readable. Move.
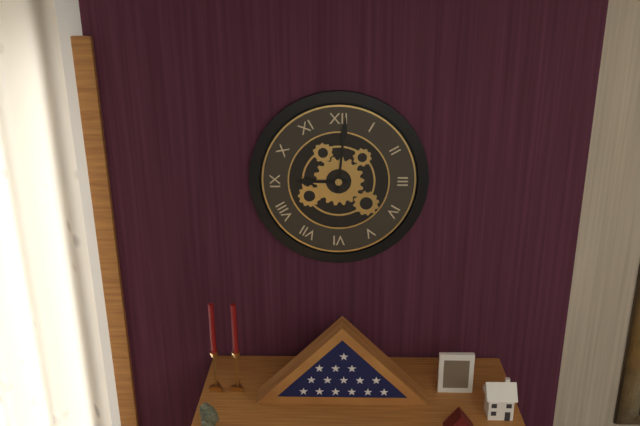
9,01
